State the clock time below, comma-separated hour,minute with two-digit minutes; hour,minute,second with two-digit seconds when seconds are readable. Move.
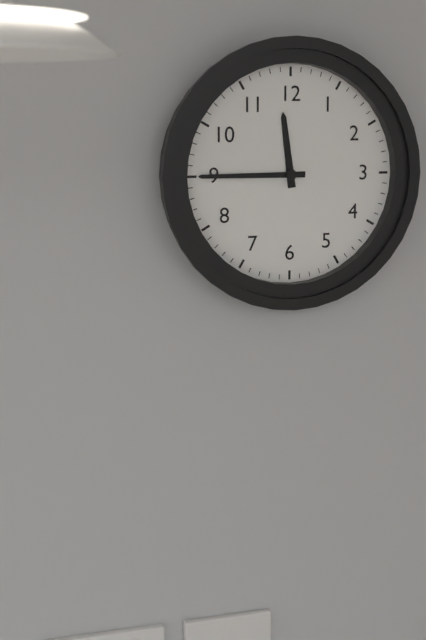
11,45
